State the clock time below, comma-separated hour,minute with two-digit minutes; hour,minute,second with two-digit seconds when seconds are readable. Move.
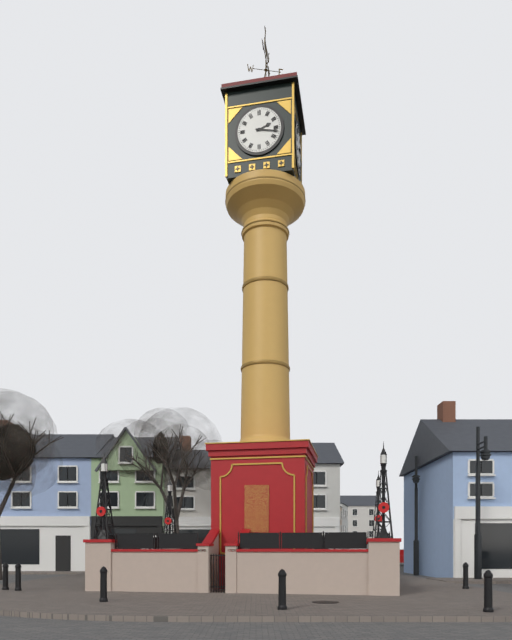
2,17
